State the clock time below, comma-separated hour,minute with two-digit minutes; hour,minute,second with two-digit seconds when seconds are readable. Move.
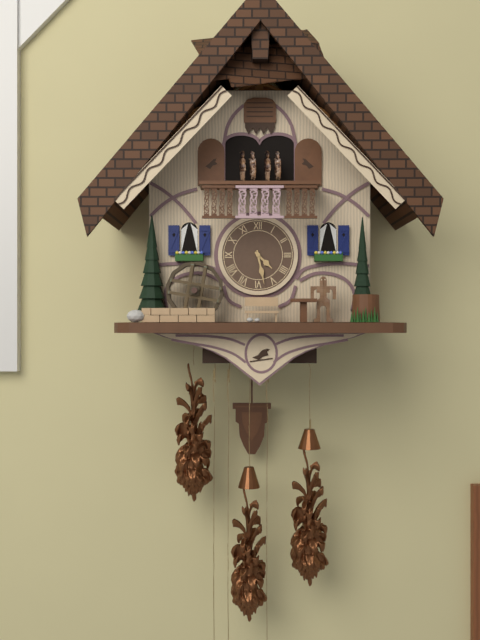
4,28
